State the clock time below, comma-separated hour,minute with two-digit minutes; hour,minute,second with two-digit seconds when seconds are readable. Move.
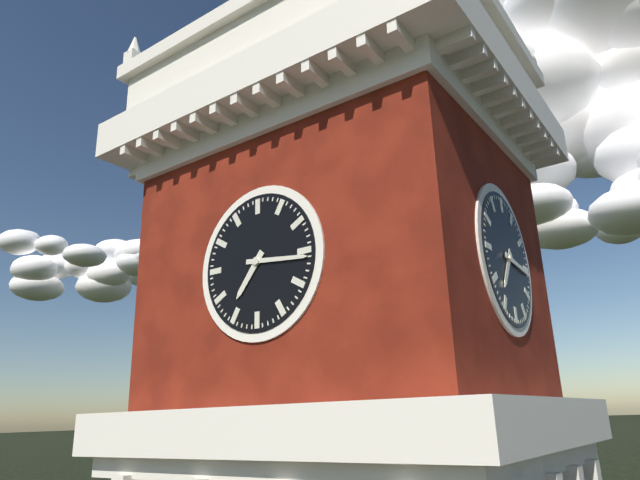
7,16
